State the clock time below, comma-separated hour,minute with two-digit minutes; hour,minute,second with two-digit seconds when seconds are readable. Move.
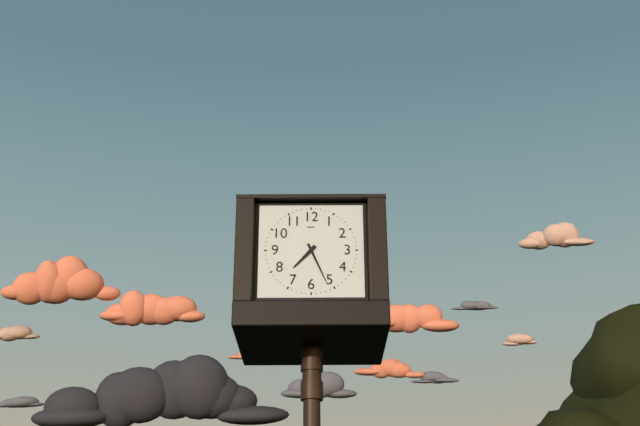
7,26
